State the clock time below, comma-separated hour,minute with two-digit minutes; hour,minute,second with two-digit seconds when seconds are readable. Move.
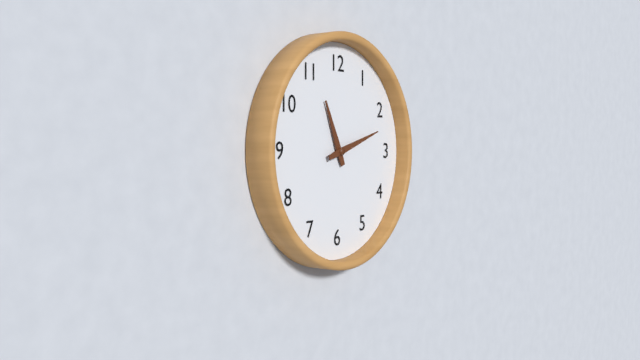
11,12
